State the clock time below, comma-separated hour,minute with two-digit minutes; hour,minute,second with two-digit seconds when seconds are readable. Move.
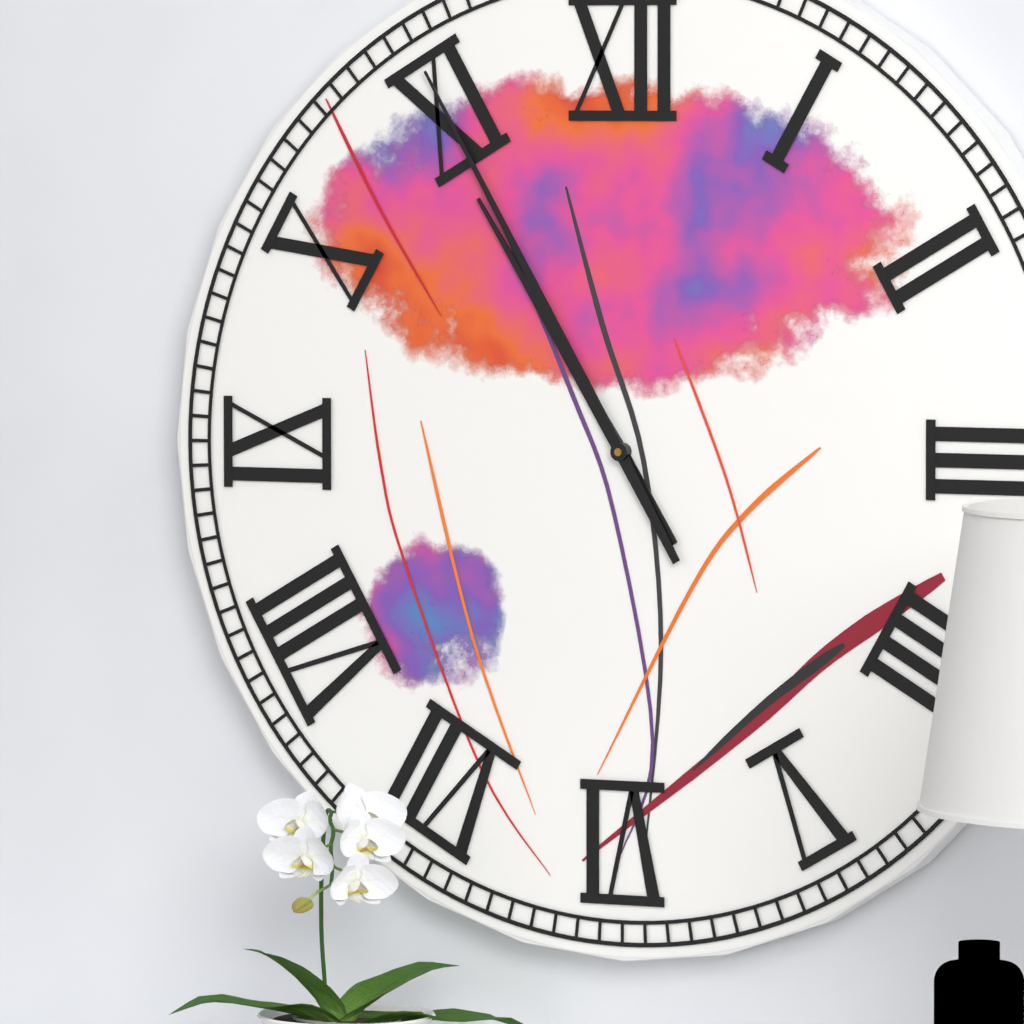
10,55
